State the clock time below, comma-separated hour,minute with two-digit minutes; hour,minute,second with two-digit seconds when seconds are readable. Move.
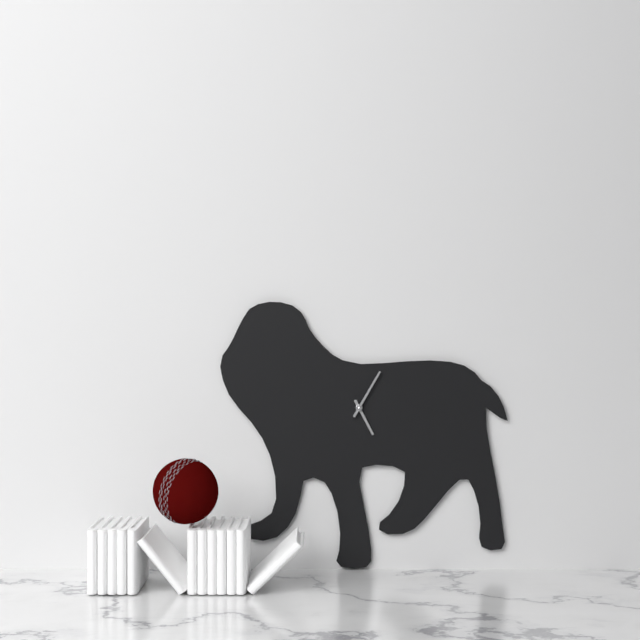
5,05
